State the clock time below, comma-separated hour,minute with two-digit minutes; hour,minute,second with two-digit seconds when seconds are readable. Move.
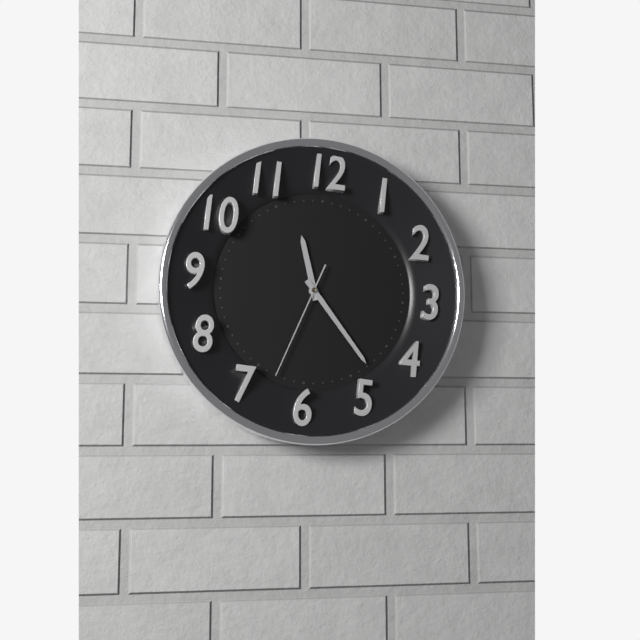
11,23,33
